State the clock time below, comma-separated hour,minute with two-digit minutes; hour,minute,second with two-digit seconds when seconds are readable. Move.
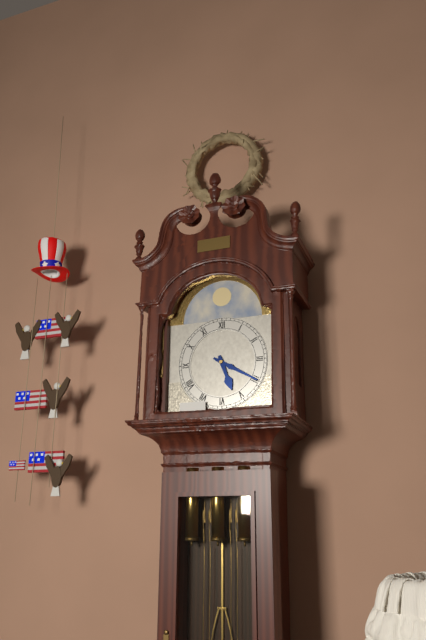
5,20
